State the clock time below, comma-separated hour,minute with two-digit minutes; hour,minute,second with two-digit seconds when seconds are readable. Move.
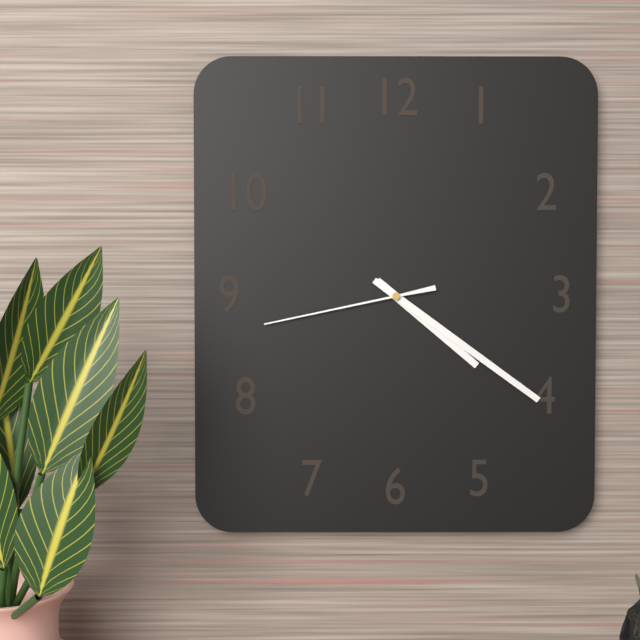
4,21,43
